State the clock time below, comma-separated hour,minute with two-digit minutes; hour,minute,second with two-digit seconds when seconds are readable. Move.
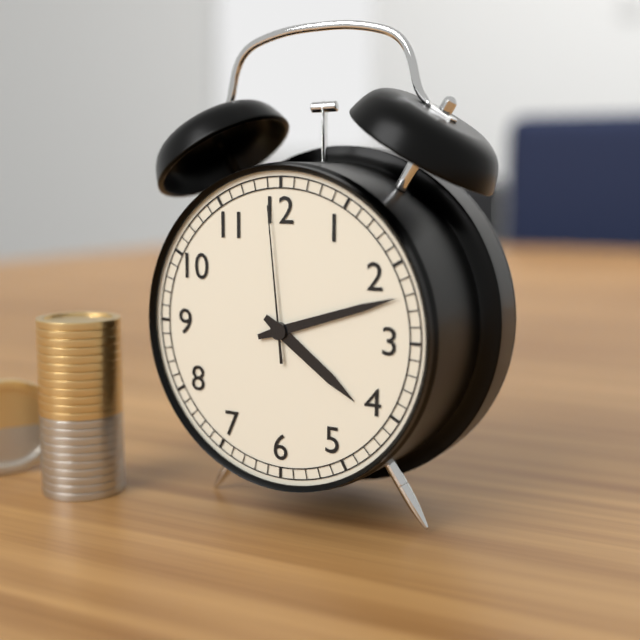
4,12,59
